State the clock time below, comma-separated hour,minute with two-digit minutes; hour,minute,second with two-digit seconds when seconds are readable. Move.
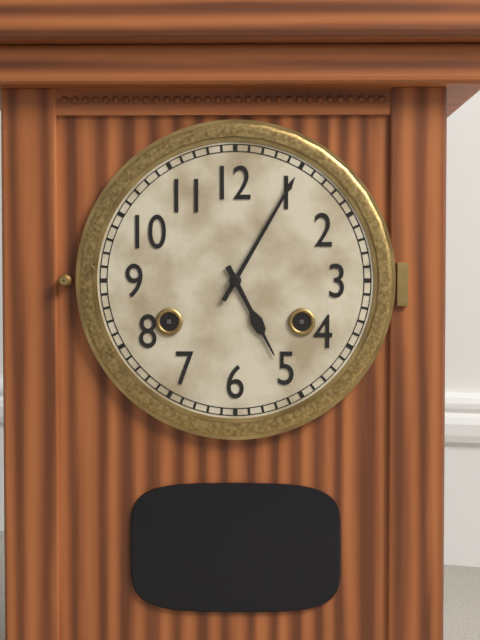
5,05
